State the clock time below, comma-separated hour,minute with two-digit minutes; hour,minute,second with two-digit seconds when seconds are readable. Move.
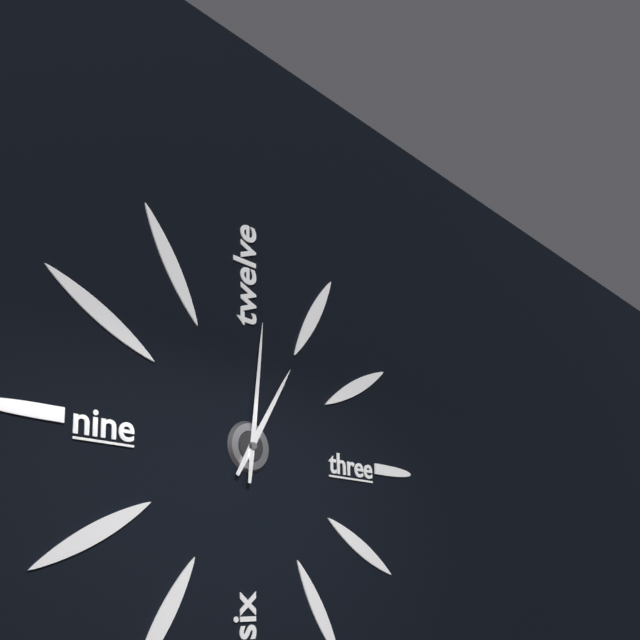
1,01
